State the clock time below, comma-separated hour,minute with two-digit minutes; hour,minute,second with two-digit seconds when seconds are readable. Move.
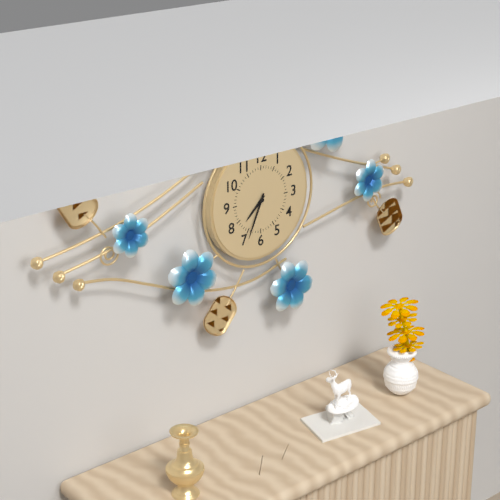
7,34
